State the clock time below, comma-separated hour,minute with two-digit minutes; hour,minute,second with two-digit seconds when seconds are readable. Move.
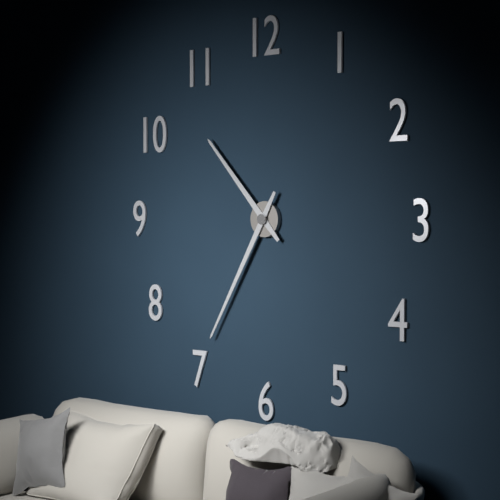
10,35
